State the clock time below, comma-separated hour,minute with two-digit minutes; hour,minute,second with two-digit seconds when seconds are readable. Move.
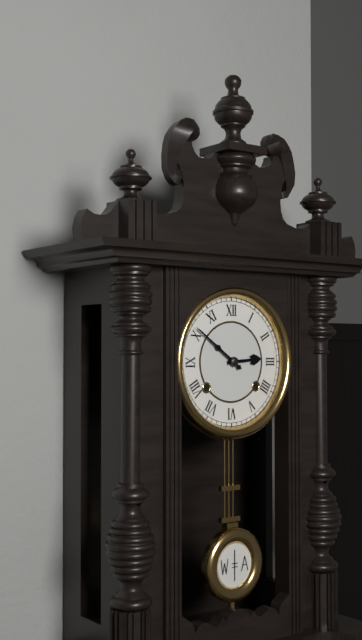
2,51
